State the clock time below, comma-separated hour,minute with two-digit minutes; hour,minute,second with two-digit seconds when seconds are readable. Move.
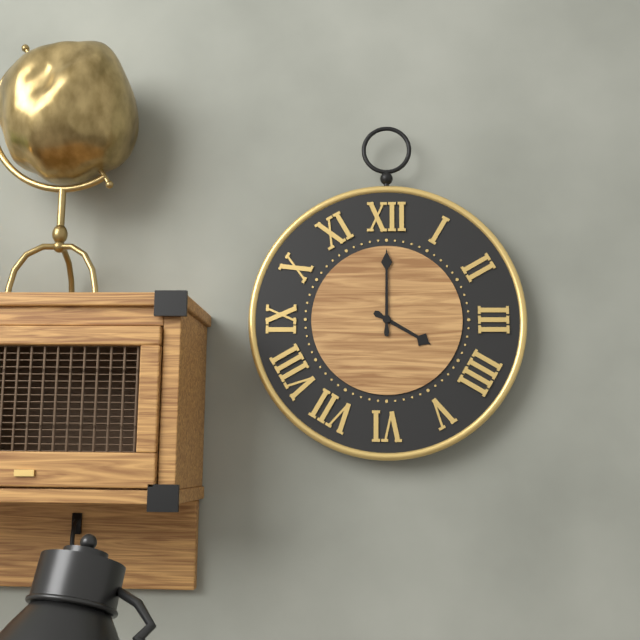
4,00
